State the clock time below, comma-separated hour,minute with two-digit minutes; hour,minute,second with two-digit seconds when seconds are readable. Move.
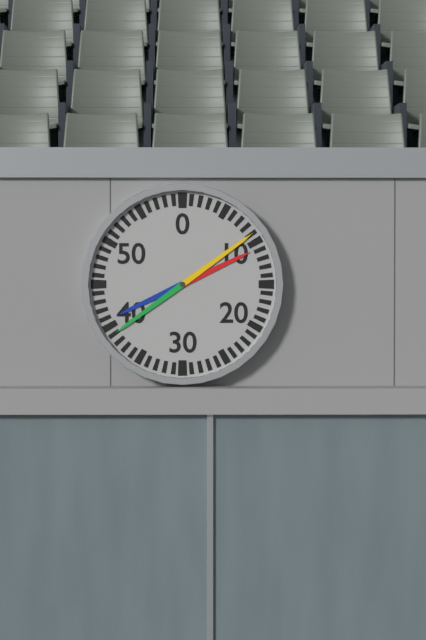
2,09
